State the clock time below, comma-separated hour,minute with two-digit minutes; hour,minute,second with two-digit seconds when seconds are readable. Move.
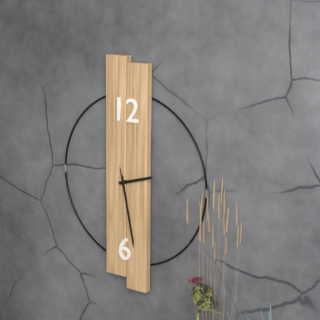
2,28,28
